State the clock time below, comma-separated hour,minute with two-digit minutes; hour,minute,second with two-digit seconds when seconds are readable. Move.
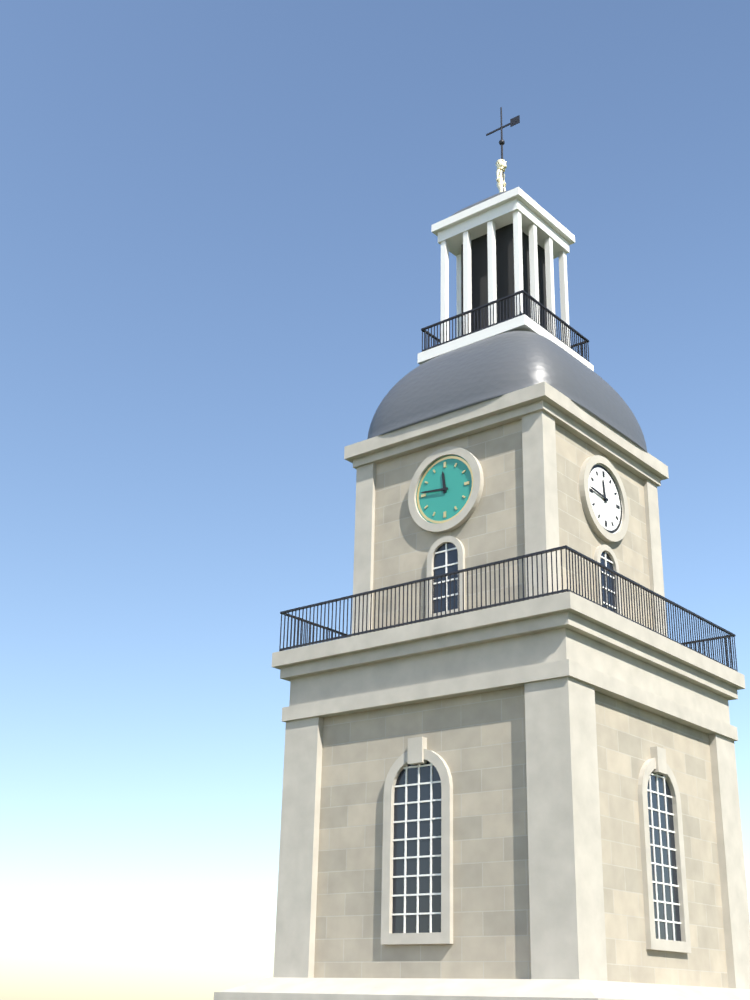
11,46
